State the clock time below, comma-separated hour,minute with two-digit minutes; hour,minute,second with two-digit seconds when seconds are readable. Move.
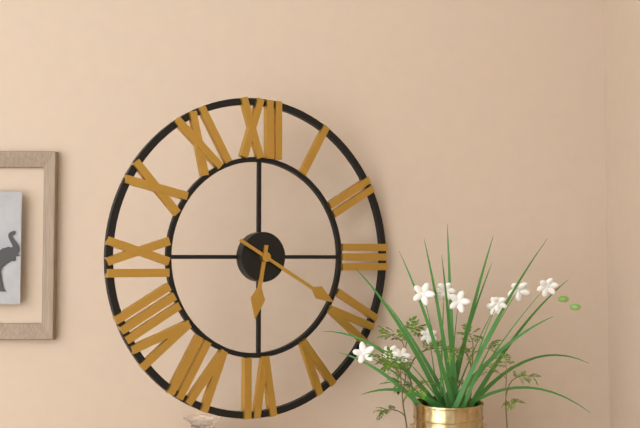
6,20
